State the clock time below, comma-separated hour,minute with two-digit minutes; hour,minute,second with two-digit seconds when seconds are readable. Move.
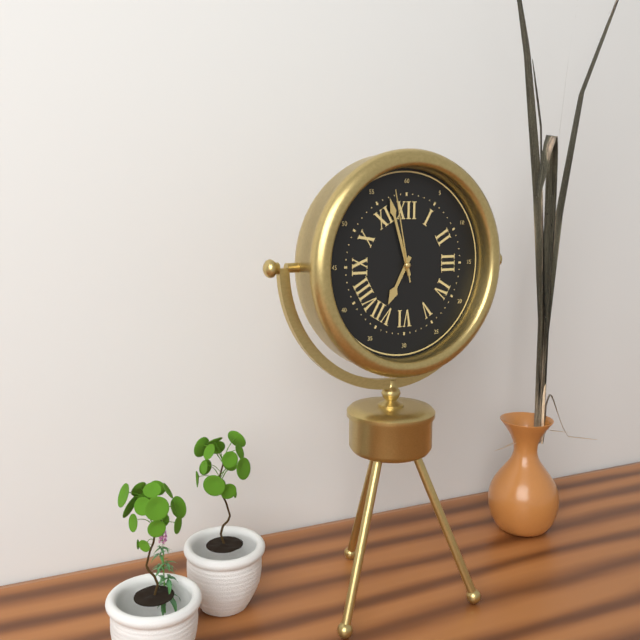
6,57,58
